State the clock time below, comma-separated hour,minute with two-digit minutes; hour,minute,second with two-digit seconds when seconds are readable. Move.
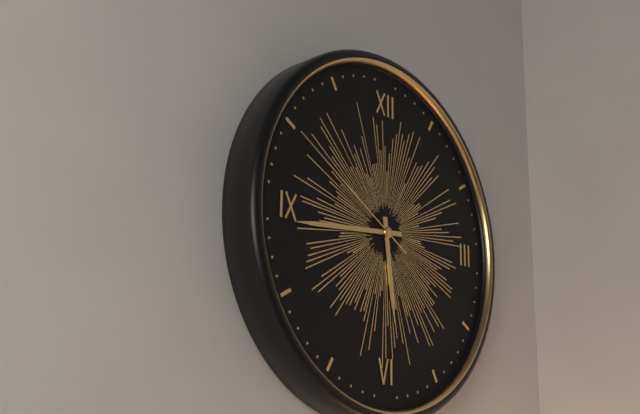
5,44,50
